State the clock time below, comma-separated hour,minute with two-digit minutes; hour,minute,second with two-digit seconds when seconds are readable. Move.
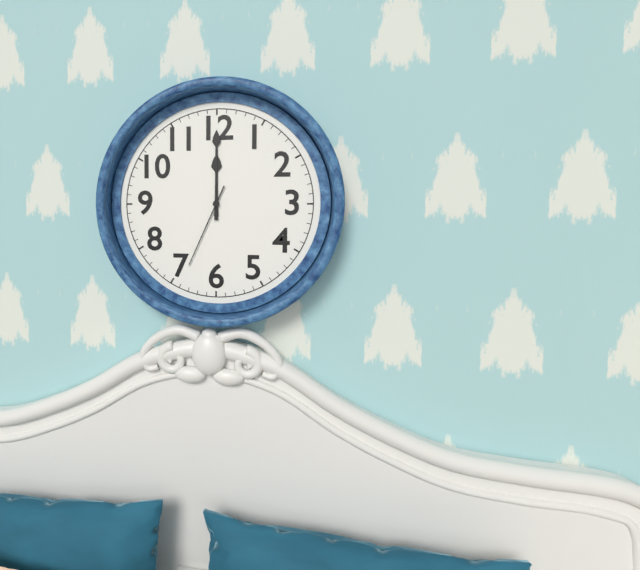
12,00,34
